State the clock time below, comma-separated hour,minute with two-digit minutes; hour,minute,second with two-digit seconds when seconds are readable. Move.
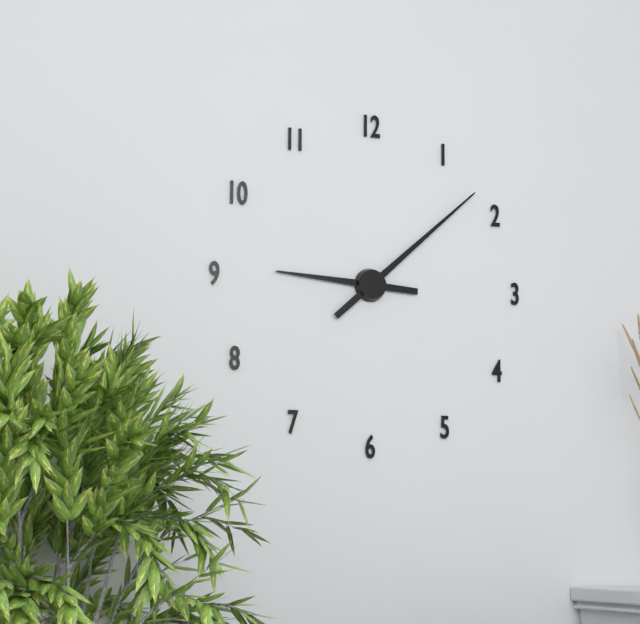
9,08
